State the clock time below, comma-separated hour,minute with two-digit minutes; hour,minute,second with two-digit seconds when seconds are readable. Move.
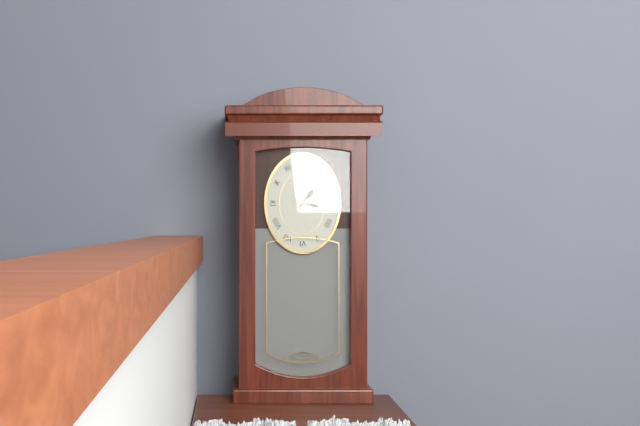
1,17
